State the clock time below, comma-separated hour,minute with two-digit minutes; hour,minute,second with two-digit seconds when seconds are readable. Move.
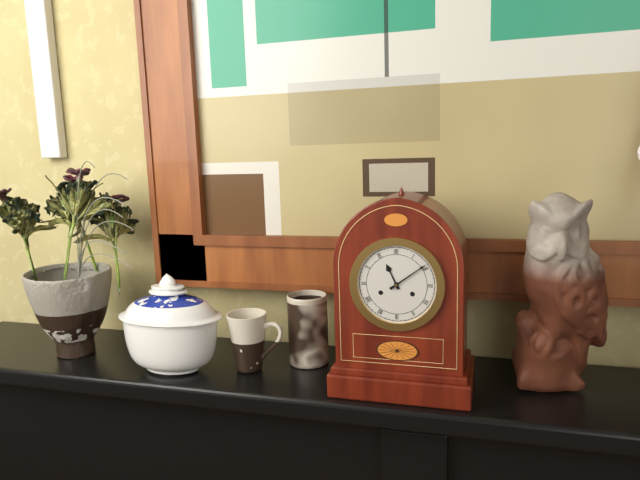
11,09
